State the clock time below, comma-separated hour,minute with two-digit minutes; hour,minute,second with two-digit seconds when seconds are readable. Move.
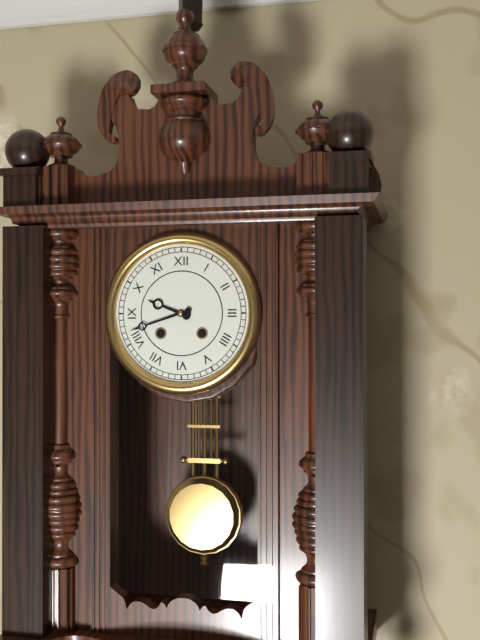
9,42
